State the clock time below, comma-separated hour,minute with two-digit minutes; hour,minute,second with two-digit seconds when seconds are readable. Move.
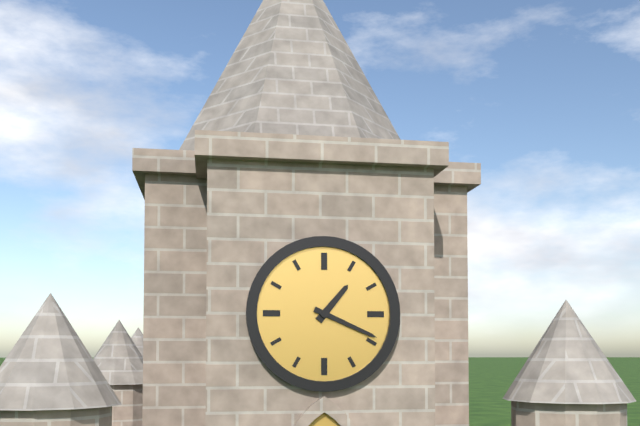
1,19
